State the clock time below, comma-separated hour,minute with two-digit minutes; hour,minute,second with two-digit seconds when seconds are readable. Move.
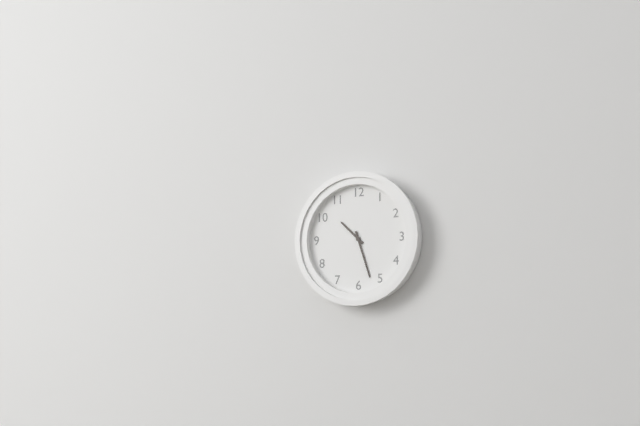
10,27
